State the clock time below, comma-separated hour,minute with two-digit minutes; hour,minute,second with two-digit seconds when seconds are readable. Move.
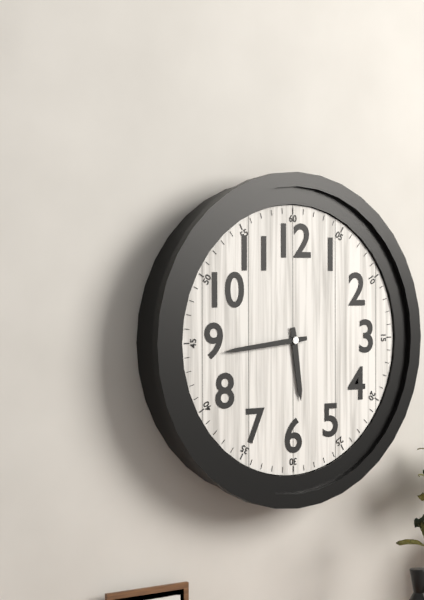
5,44
